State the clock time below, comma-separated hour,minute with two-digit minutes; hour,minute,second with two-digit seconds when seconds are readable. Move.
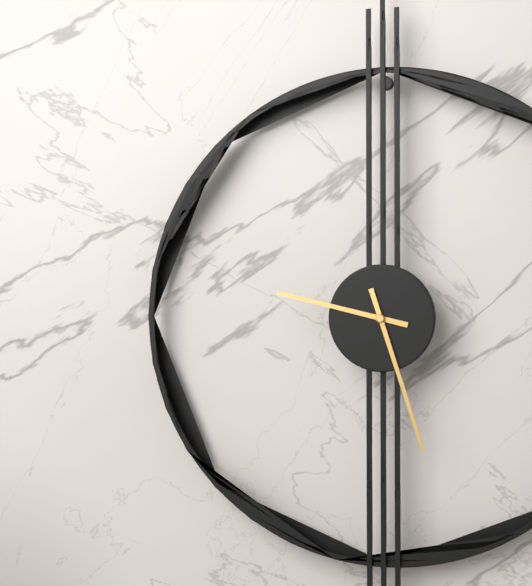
9,27
